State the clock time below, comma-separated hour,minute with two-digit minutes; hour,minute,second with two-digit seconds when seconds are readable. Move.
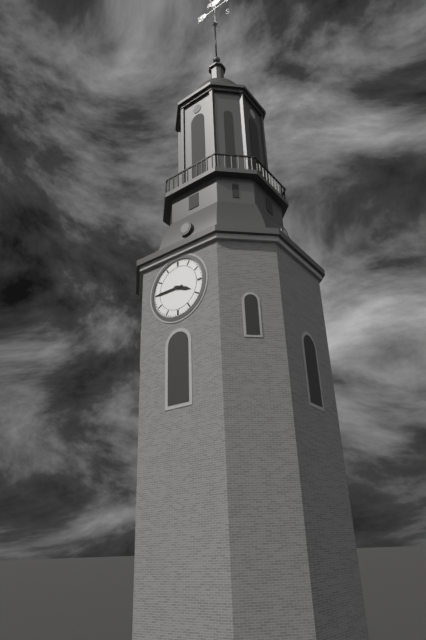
3,45
